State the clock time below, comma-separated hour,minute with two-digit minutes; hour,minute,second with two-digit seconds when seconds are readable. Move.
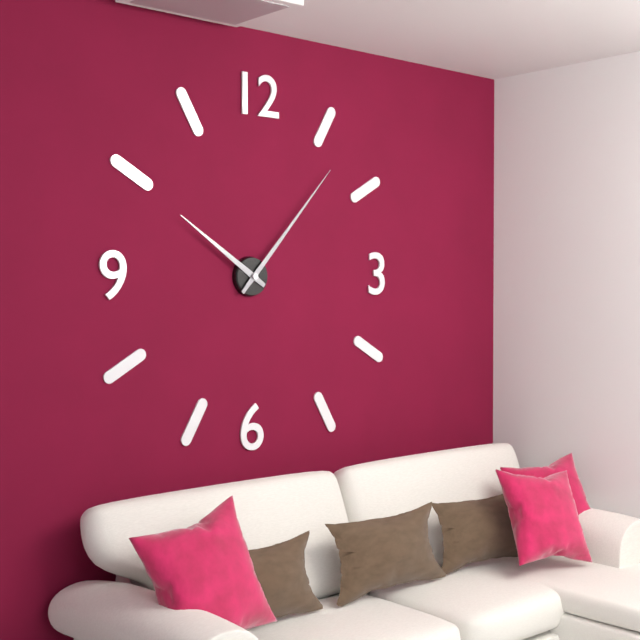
10,07
